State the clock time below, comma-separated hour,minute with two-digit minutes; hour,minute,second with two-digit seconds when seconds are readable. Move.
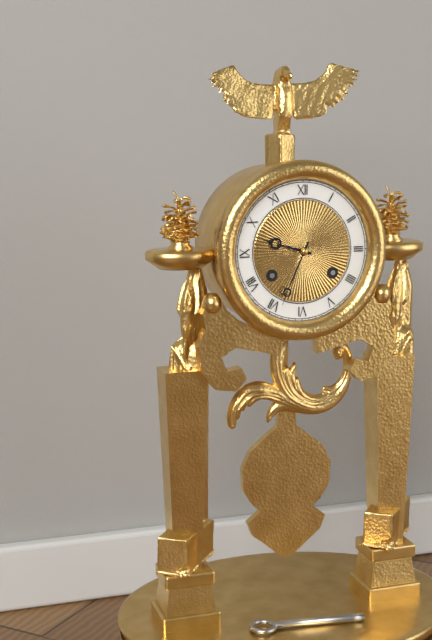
9,34
